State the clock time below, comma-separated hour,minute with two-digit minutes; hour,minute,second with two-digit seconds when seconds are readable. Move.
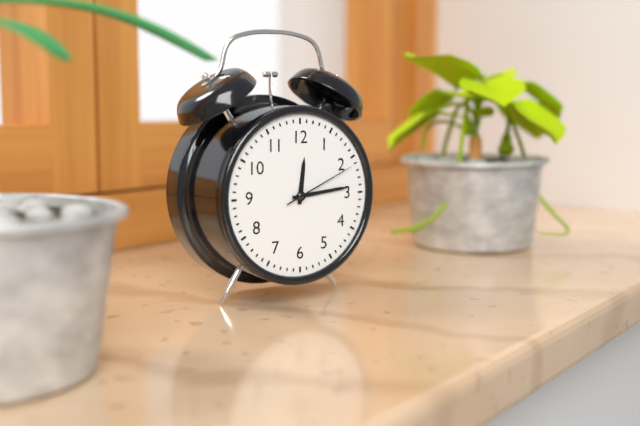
12,14,11
